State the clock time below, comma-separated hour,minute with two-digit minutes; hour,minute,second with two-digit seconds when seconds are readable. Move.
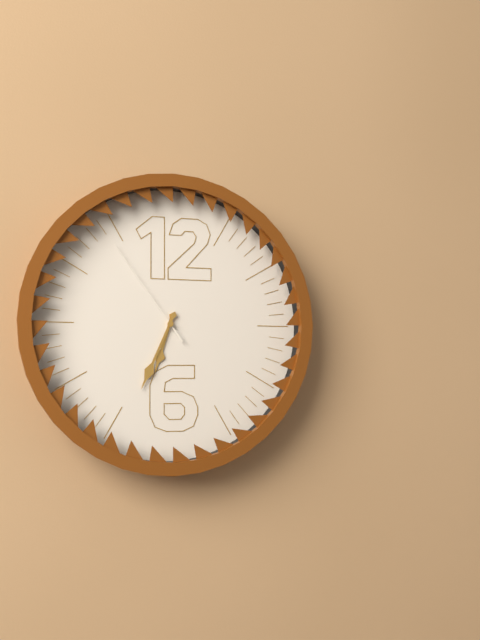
6,34,54
